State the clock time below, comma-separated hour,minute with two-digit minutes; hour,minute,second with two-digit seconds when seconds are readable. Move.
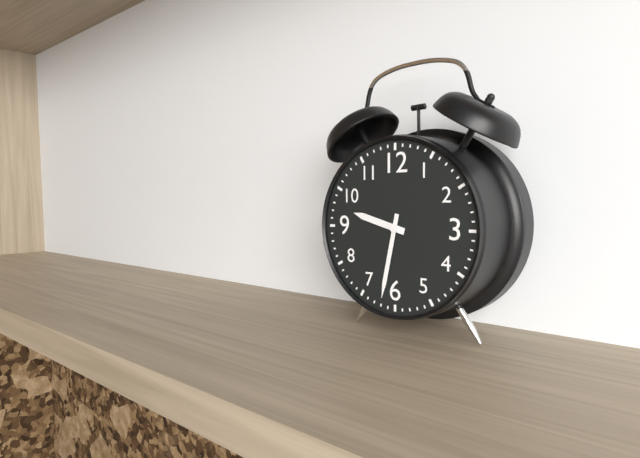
9,32
